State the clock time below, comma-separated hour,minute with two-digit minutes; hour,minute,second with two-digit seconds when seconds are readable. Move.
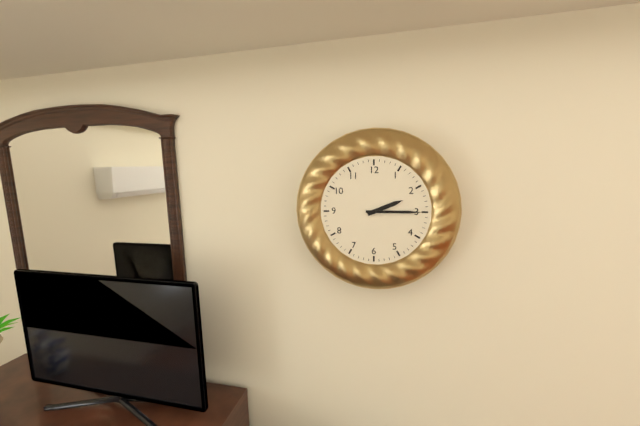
2,15
